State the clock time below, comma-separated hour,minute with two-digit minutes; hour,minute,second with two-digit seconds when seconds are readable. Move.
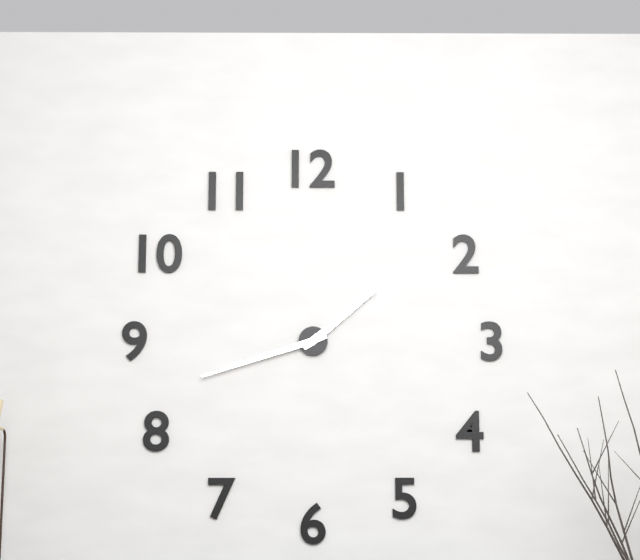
1,42
